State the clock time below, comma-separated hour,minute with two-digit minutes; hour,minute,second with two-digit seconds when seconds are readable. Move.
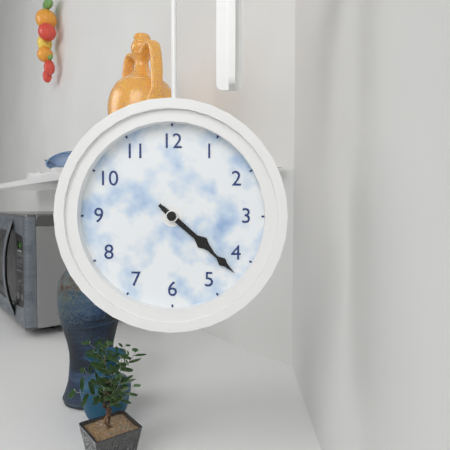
4,22
